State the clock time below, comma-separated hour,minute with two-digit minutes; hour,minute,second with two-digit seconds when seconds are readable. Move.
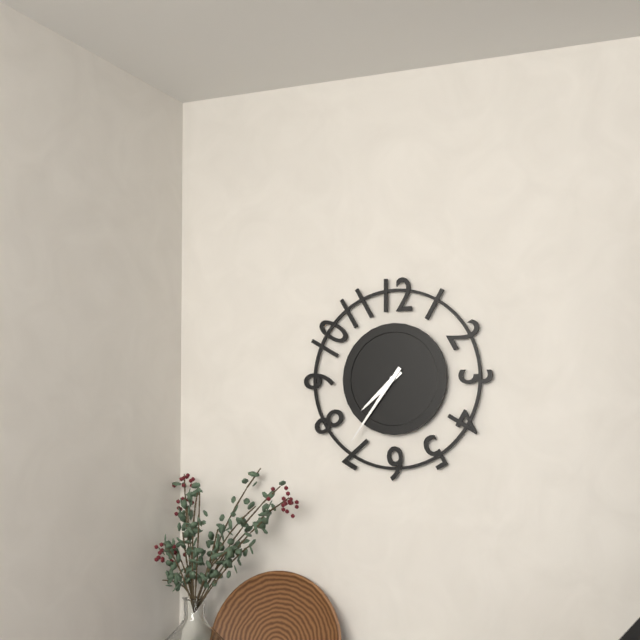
7,36
